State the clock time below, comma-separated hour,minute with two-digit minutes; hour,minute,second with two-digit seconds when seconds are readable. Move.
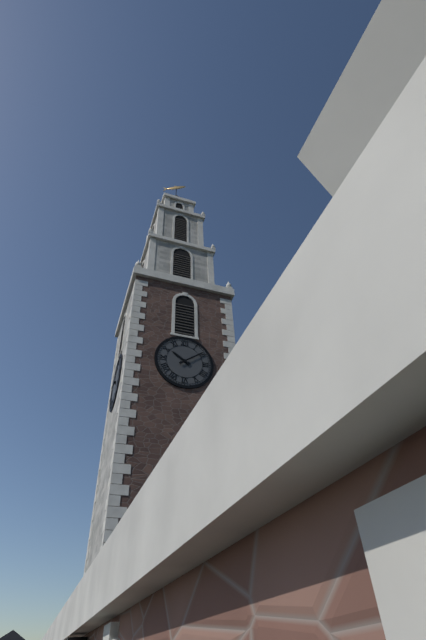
10,09
